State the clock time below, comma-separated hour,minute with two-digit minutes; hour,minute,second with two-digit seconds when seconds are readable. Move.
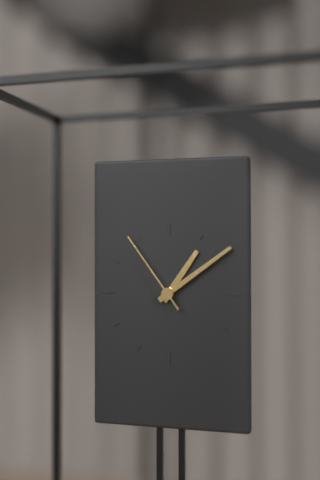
1,09,54
